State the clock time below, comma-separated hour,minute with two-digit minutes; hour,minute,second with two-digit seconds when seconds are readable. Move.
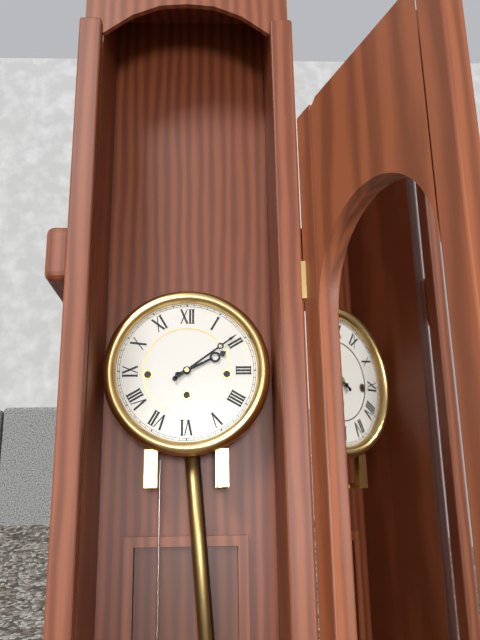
2,09
